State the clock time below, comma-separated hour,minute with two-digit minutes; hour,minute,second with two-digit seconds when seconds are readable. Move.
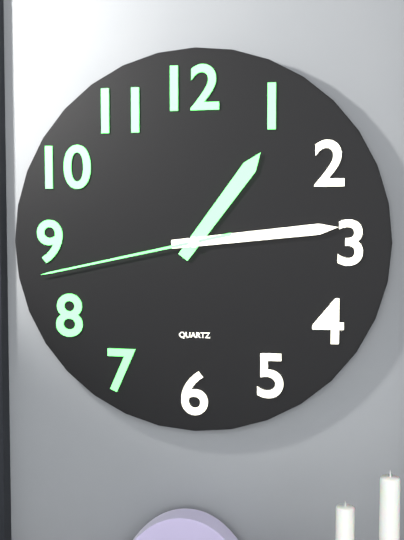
1,14,43
